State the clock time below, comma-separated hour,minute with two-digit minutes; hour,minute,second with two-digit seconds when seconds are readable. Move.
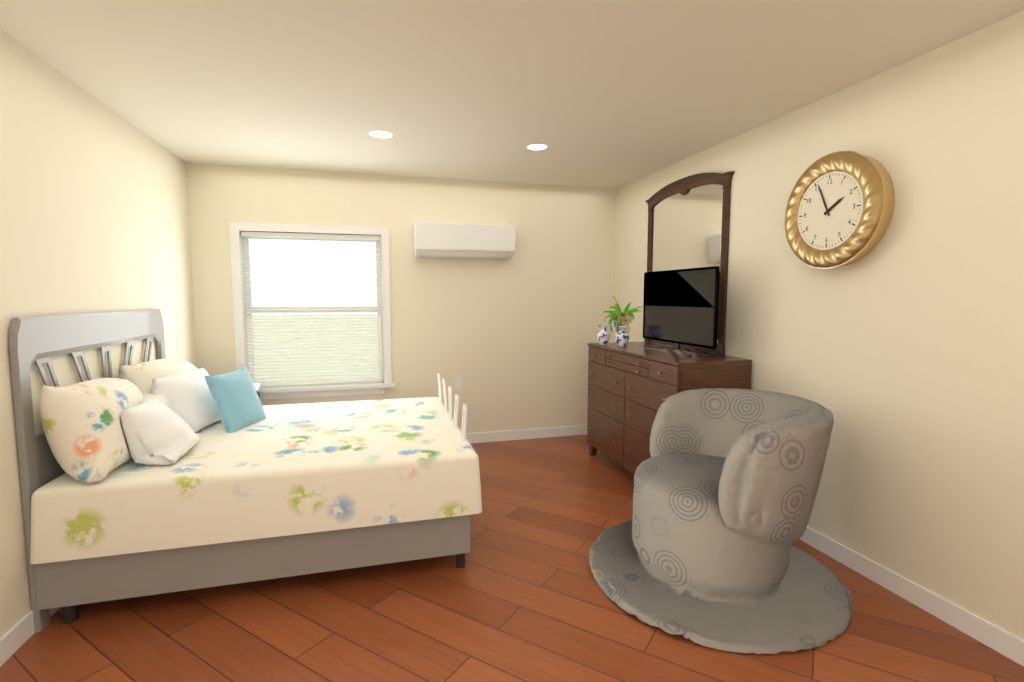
1,56
